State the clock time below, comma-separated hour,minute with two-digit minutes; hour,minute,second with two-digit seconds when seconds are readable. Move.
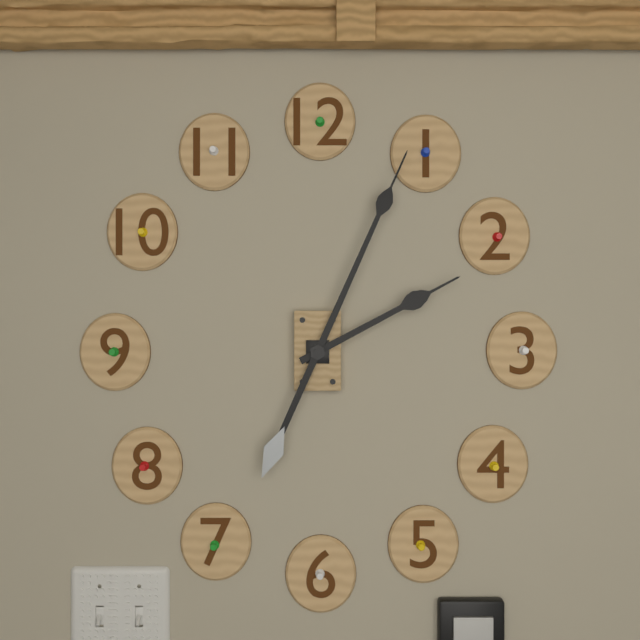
2,04
